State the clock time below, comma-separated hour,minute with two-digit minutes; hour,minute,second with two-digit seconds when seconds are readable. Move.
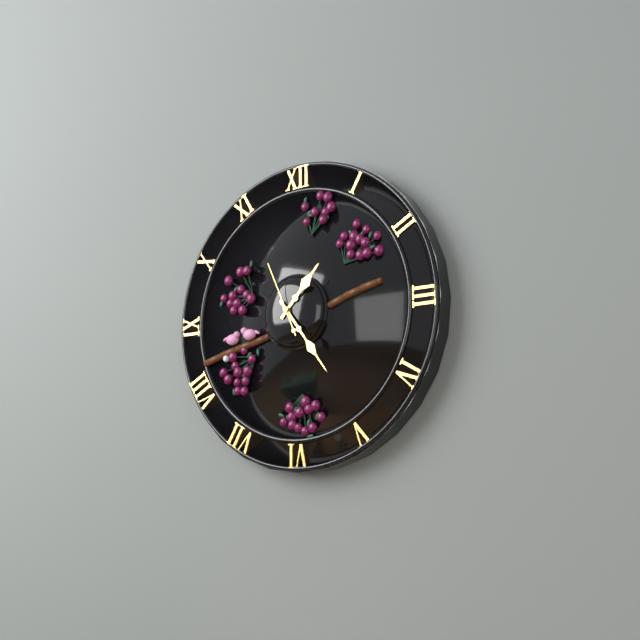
1,24,56
